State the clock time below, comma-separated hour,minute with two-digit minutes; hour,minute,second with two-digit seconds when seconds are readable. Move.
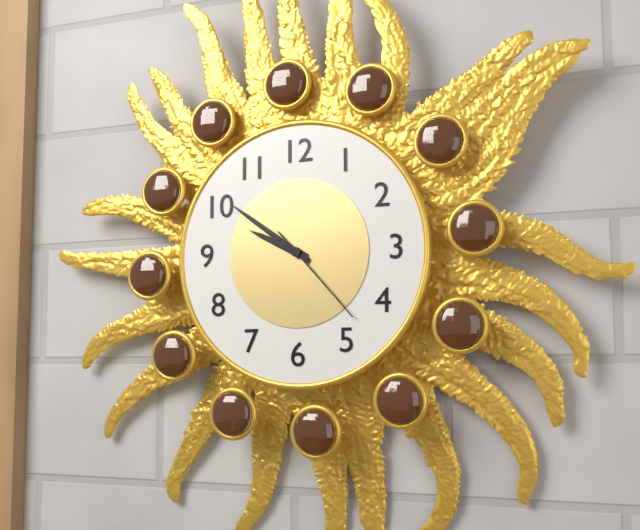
9,51,23
